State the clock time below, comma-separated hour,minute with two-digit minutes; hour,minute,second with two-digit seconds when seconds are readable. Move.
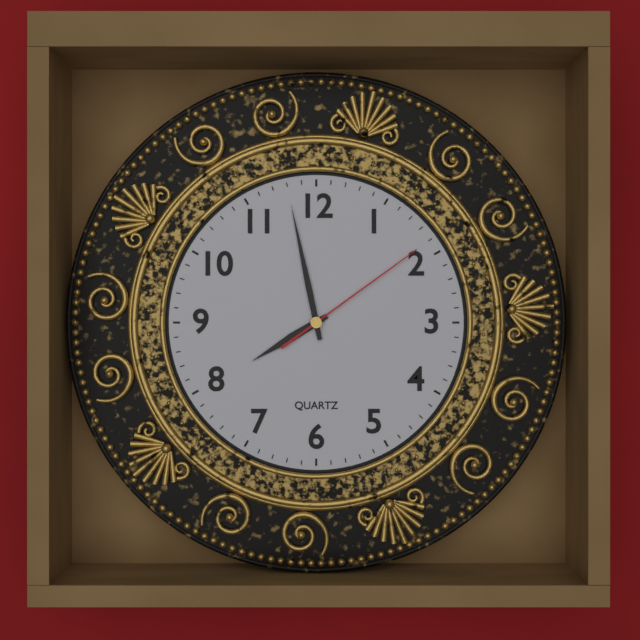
7,58,09
